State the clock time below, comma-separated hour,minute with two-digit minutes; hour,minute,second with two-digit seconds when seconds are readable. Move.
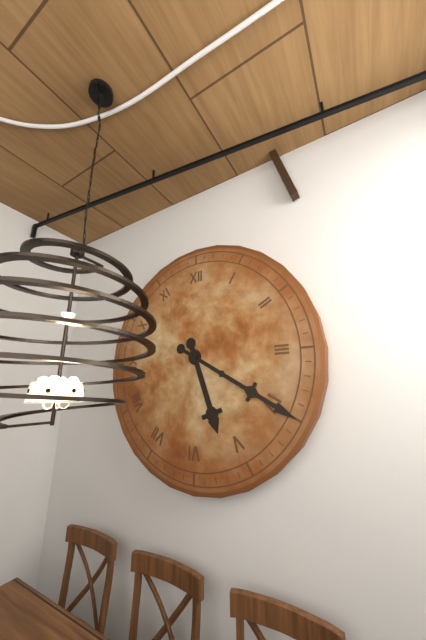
5,20
